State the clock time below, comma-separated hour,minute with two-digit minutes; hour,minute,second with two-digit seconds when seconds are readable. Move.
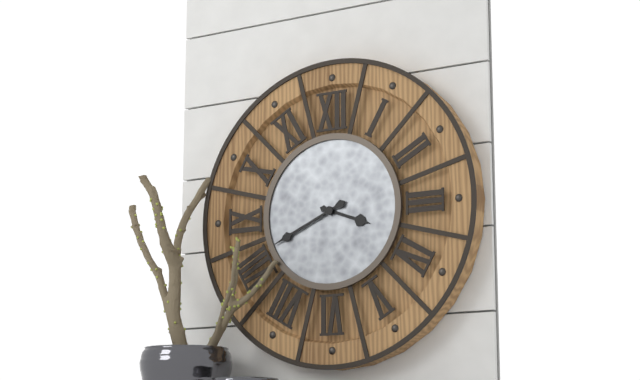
3,41
